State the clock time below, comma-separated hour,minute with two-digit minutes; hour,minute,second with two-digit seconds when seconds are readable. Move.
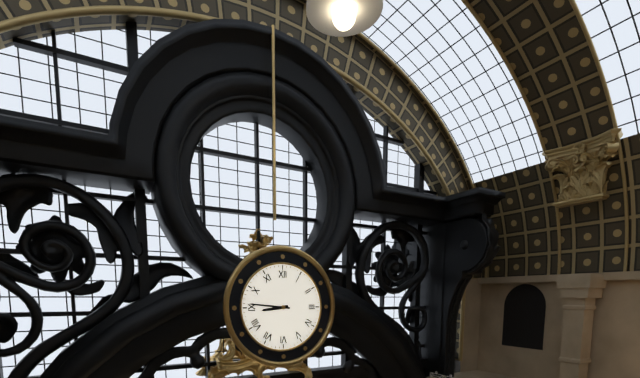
8,46
